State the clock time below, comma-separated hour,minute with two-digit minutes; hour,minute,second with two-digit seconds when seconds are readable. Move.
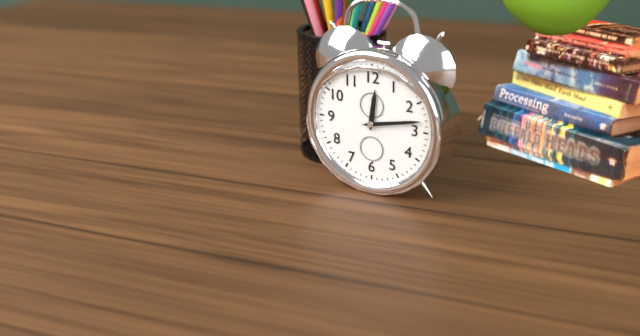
12,13
